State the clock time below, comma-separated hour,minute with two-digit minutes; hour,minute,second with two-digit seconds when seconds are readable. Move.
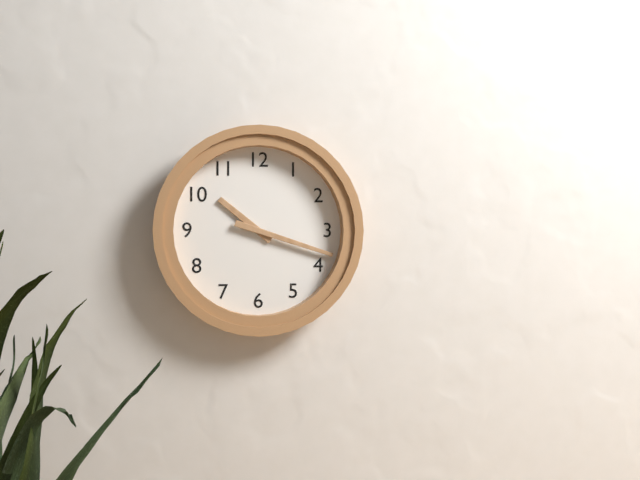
10,18
